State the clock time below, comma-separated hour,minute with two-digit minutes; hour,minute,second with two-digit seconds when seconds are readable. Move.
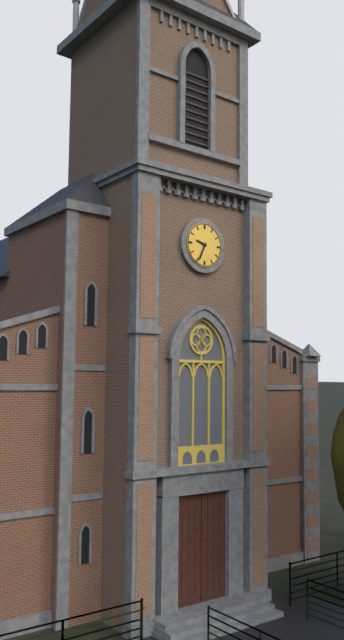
9,34
